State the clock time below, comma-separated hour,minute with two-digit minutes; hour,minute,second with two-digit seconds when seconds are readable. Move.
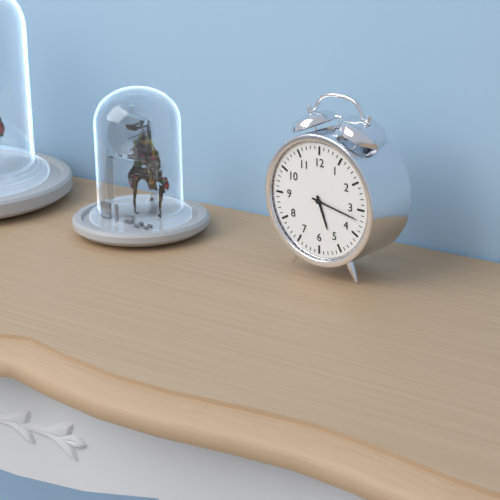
5,17
